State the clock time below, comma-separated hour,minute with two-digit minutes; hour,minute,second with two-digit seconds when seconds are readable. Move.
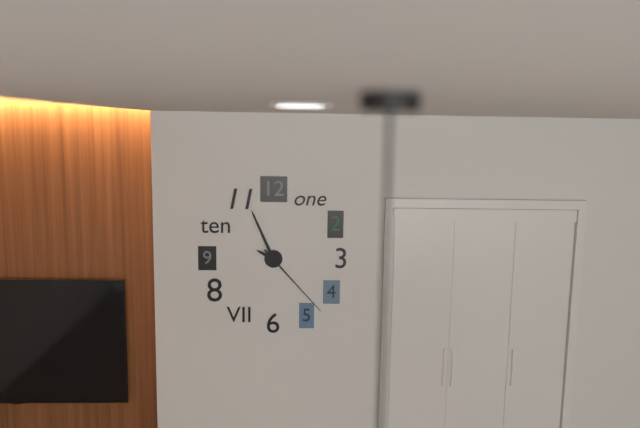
9,56,23
